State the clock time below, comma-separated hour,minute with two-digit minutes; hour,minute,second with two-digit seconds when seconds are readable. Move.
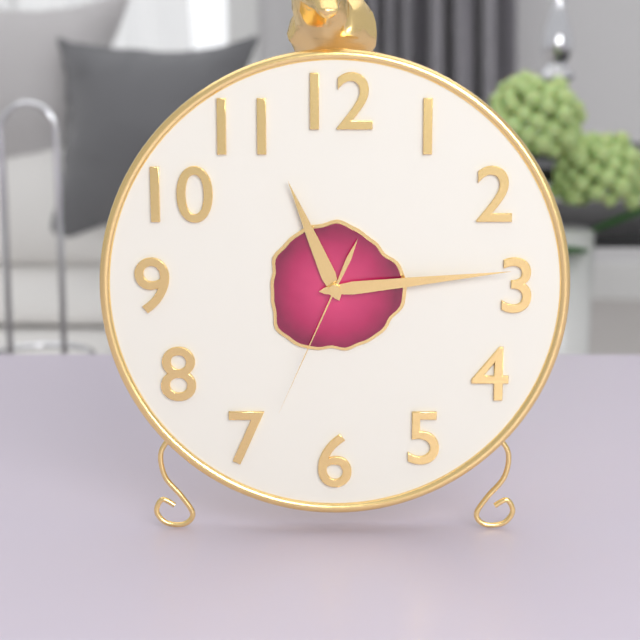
11,14,34
